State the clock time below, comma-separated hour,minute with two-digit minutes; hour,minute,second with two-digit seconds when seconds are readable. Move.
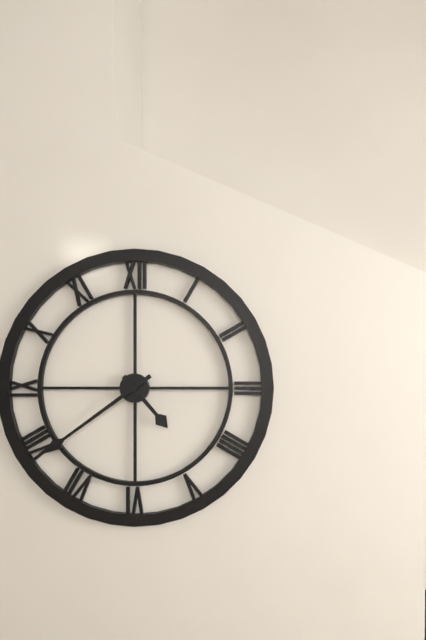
4,39
